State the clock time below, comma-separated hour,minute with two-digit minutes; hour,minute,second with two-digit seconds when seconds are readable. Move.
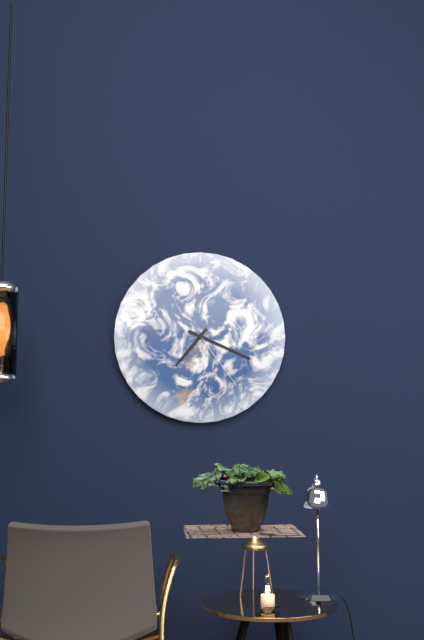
7,19,24
